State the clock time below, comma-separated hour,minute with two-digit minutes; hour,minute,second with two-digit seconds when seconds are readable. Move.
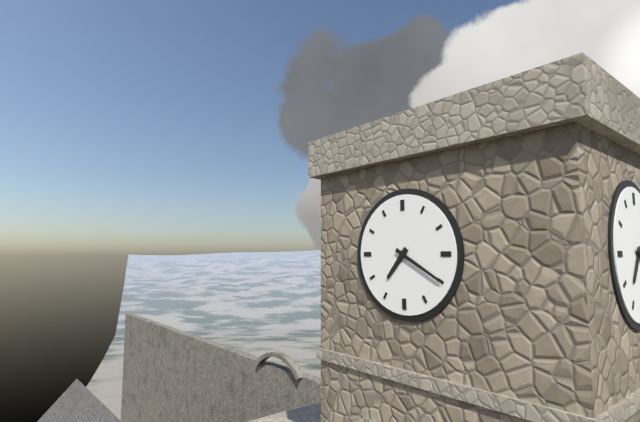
7,20
